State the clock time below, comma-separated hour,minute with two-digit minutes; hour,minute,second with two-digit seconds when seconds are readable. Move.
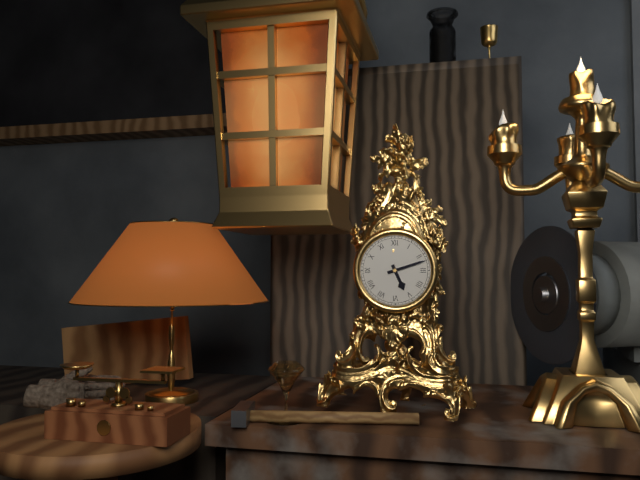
5,12
